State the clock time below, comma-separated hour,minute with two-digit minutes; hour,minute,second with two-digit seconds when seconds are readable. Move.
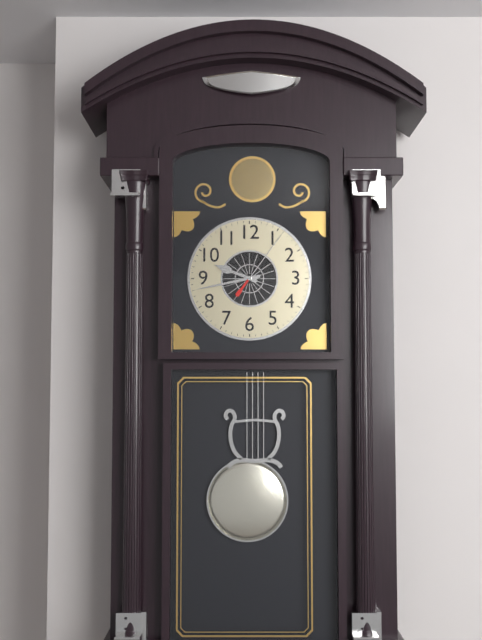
9,43,06
